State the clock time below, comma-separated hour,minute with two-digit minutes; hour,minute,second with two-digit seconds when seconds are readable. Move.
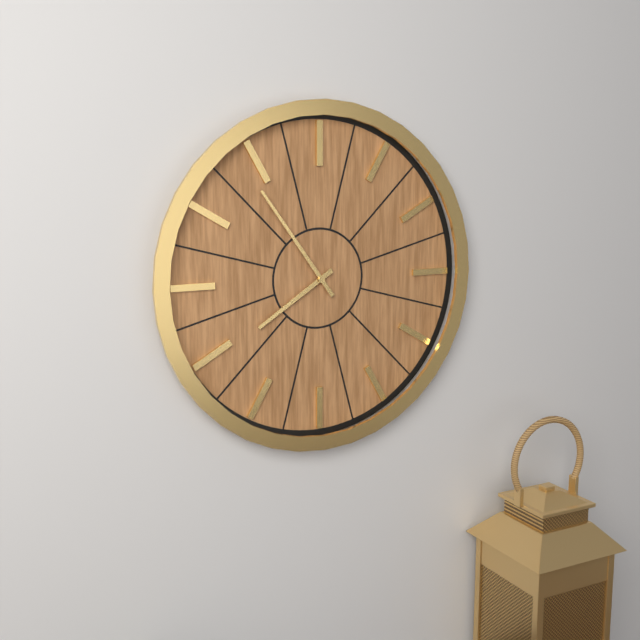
7,54
